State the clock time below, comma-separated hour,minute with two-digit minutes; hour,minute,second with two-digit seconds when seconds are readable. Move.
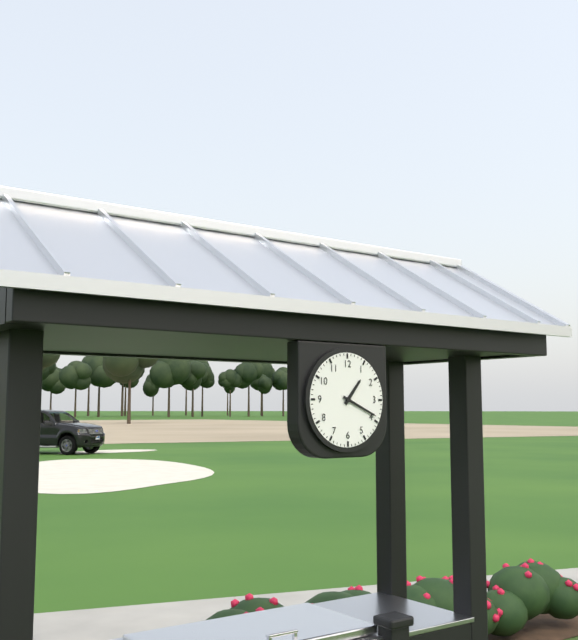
1,19
